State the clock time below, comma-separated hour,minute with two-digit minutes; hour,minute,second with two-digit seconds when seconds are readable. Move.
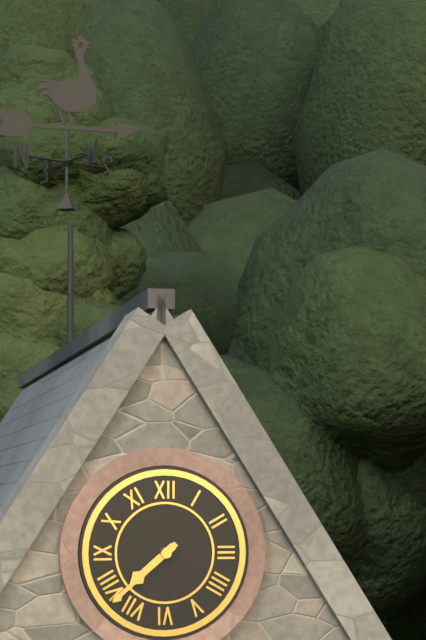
7,38
